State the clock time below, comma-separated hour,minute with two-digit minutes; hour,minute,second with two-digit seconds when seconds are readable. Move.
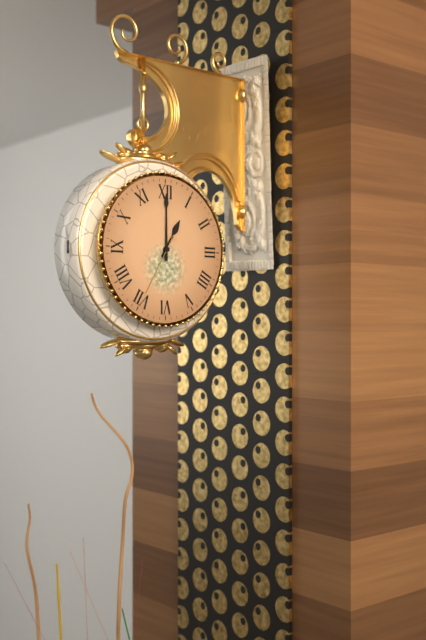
1,00,35
